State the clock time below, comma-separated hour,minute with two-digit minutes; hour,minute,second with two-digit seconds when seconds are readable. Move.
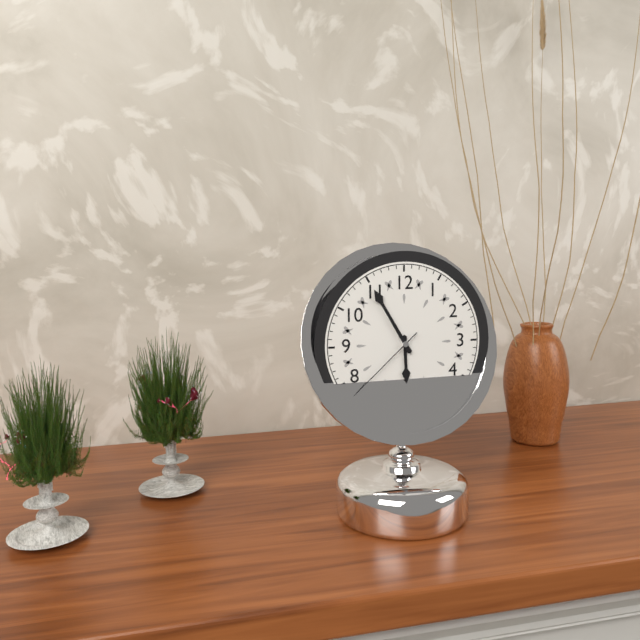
5,55,38
